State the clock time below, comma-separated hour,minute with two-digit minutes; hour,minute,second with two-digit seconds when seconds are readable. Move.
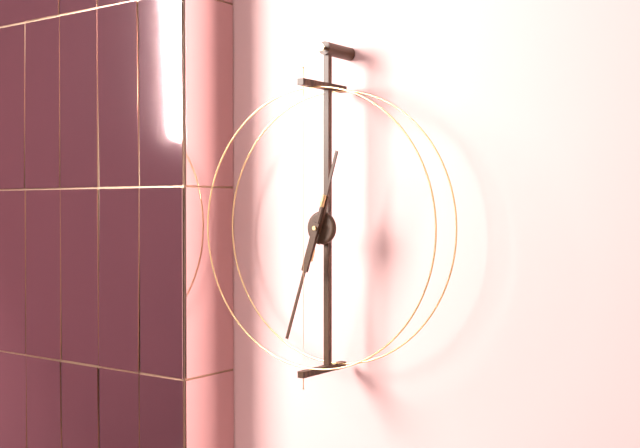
12,33
